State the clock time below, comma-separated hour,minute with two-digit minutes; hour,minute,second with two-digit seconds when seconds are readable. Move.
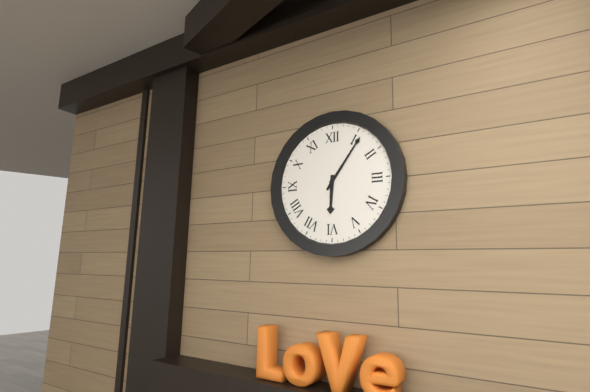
6,06
